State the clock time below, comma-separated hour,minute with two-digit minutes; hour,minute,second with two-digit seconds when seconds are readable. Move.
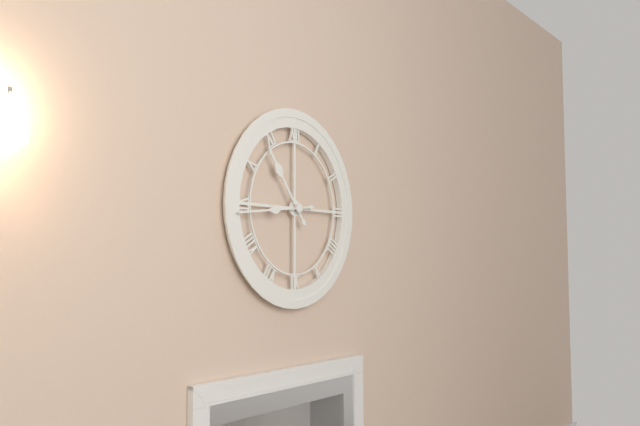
10,44
